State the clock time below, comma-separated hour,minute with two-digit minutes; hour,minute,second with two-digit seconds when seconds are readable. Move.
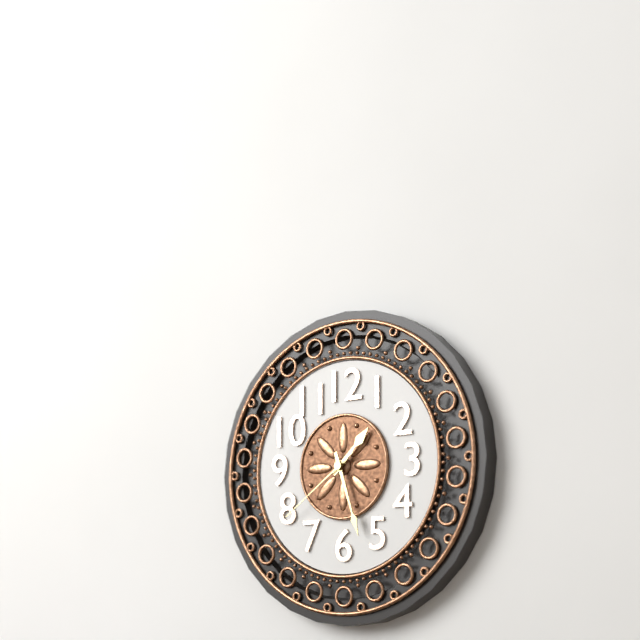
1,27,39
